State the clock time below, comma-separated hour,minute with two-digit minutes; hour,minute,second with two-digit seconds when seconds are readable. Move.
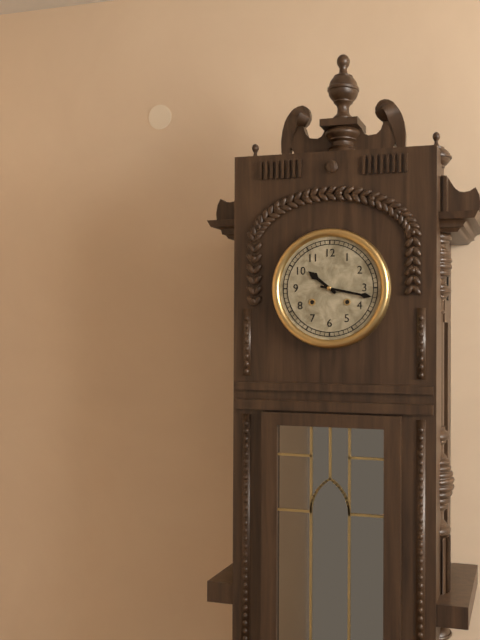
10,17
